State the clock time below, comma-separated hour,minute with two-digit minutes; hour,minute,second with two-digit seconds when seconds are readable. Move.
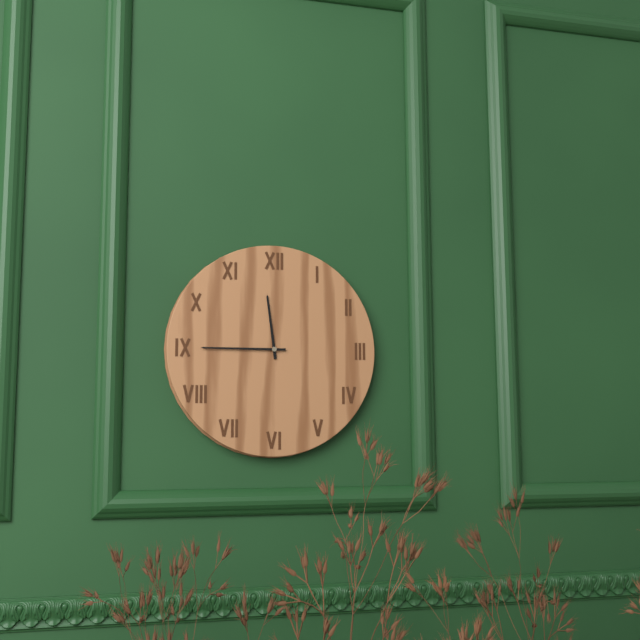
11,45
